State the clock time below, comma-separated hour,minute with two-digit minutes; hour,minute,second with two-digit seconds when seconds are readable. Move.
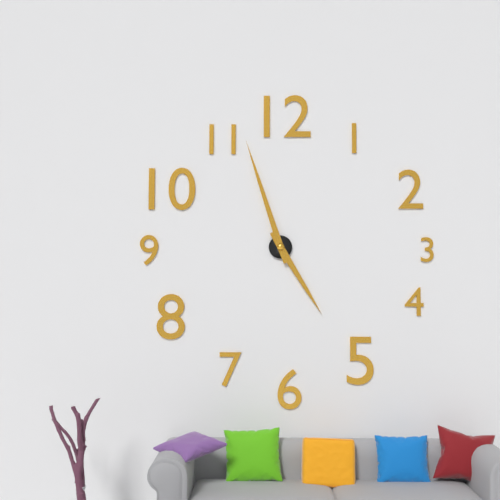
4,57
